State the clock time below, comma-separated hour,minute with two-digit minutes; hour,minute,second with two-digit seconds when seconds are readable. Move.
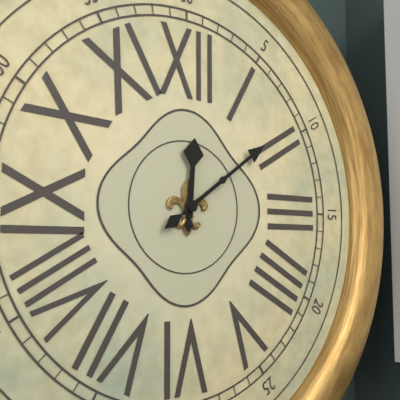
12,09
